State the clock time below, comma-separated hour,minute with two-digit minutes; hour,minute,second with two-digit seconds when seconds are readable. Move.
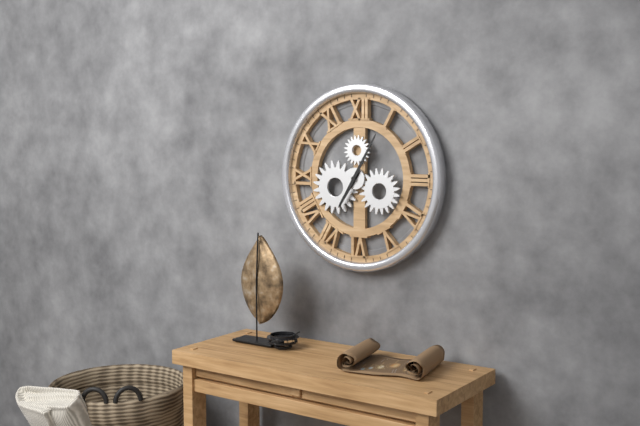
7,05
